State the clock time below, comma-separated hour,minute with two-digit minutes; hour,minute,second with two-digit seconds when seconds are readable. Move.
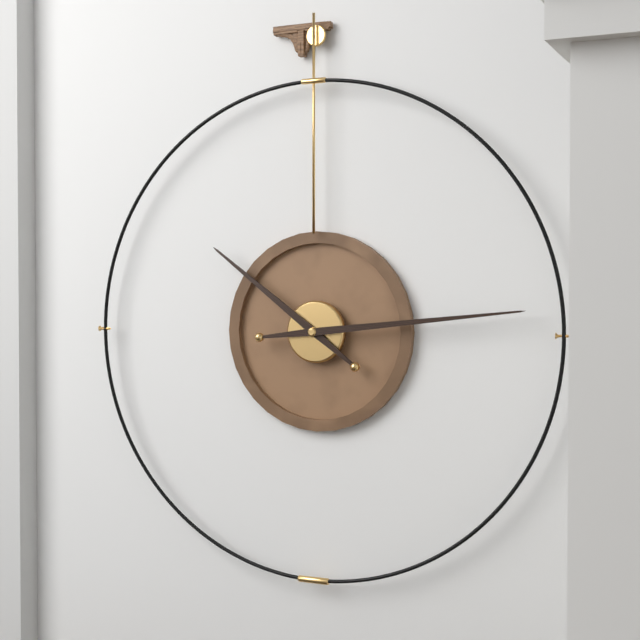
10,14
